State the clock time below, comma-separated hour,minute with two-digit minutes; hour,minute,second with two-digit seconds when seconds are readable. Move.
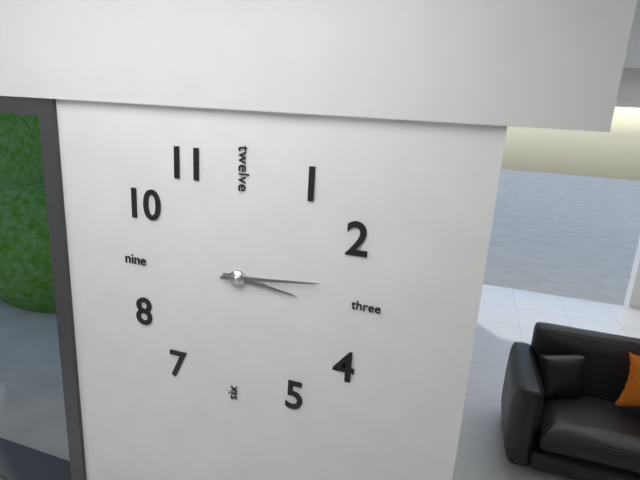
3,14
